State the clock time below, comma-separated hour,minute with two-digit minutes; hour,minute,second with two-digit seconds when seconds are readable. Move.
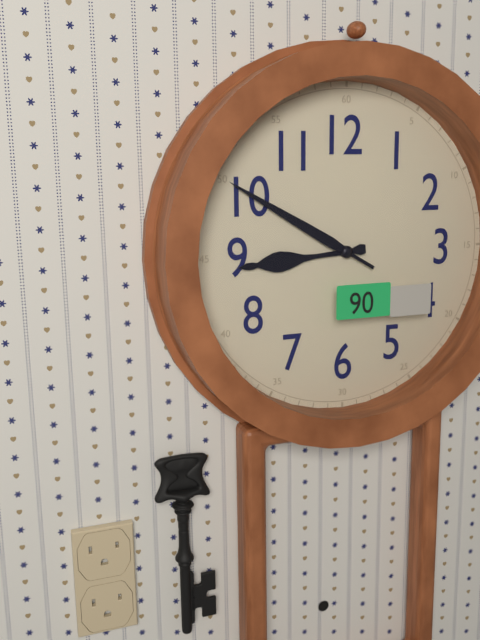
8,50
